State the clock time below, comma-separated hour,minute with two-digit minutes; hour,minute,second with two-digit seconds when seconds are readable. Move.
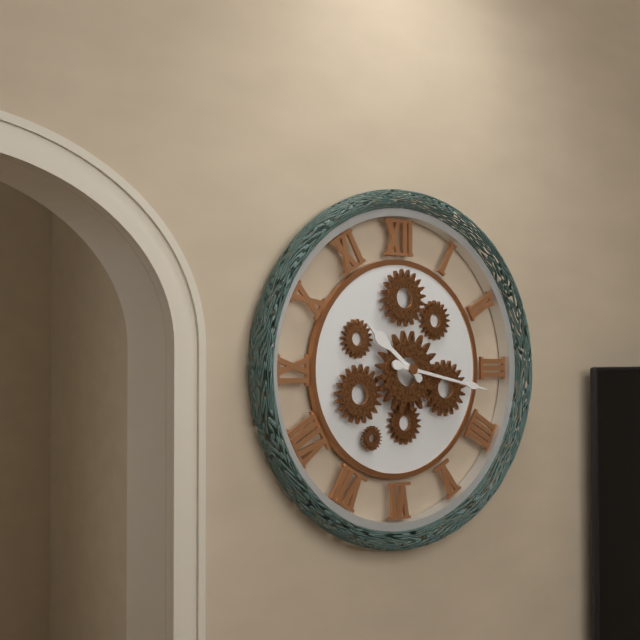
10,17
